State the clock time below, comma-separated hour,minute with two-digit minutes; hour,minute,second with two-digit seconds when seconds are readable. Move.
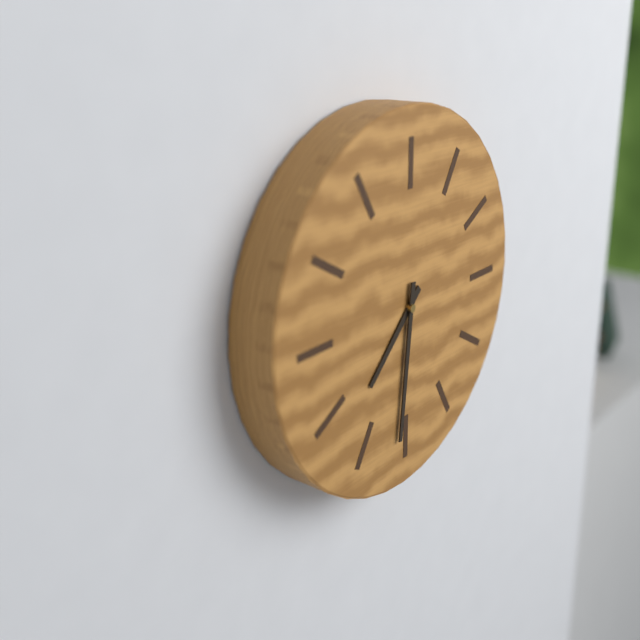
7,31
